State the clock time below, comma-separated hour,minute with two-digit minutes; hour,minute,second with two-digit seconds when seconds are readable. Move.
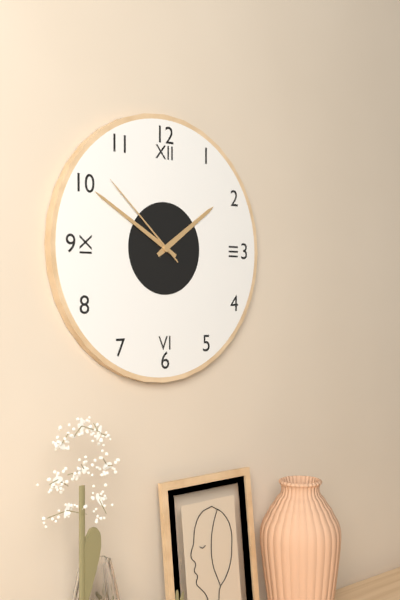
1,50,52
